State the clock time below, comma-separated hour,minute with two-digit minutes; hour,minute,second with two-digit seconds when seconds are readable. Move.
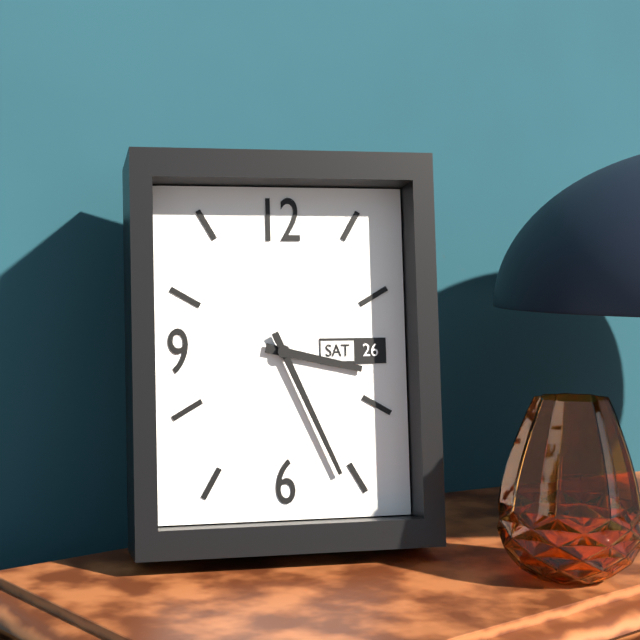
3,26
